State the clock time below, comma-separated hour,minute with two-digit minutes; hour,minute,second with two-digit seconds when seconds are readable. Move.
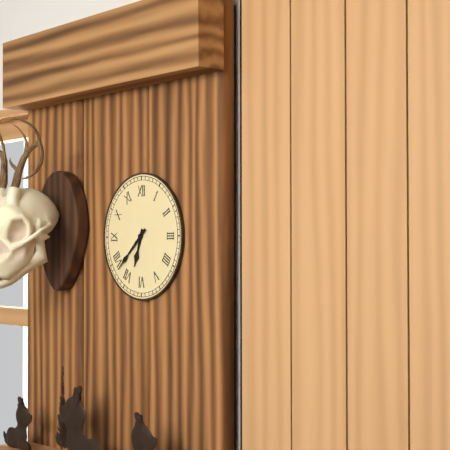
6,38
